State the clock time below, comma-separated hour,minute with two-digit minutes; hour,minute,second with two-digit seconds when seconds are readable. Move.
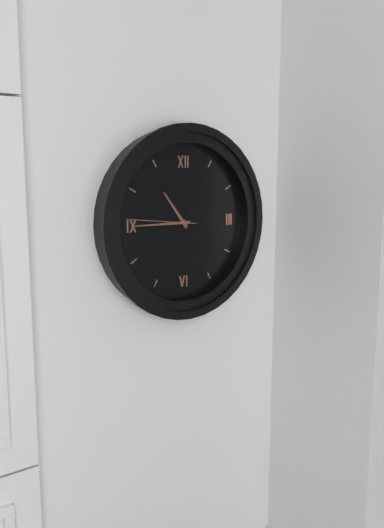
10,45,46
